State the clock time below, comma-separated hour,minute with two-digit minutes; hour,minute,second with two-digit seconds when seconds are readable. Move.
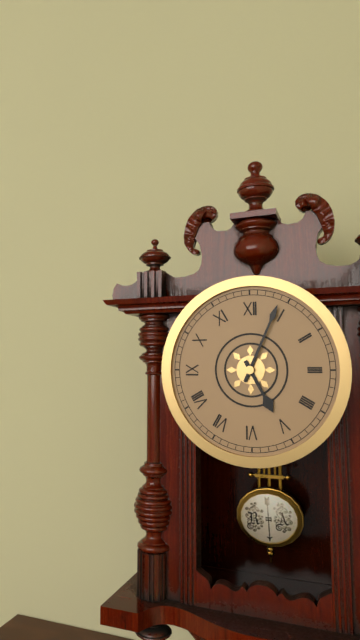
5,04
